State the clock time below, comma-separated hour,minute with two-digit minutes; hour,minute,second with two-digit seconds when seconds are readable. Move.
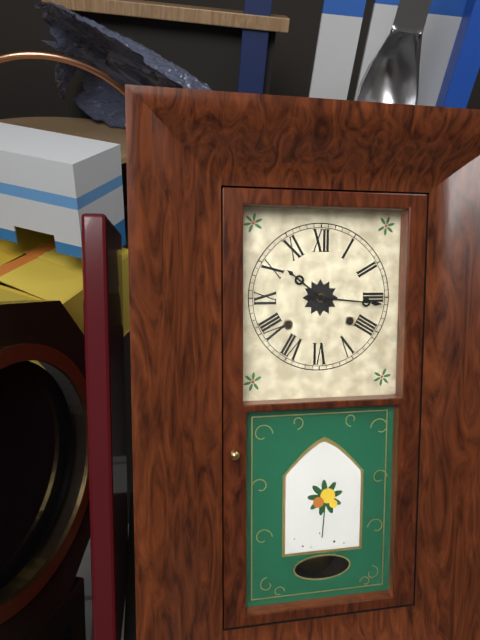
10,16
